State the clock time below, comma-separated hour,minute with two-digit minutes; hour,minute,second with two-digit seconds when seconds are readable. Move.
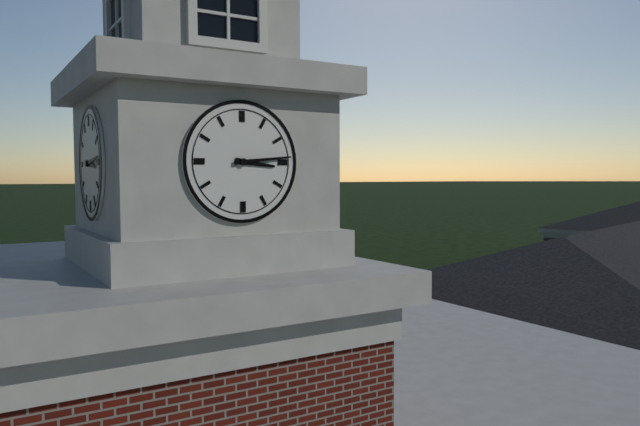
3,14
